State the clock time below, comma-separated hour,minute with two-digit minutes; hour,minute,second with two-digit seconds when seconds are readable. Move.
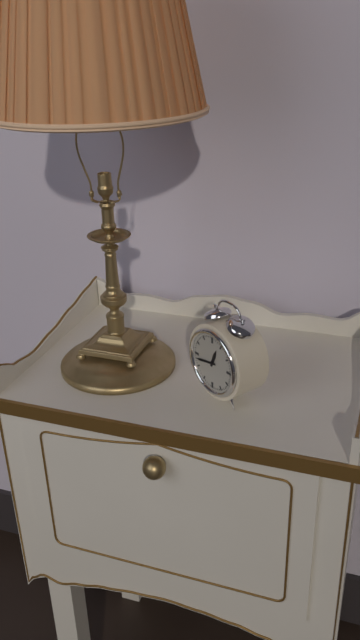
12,43
